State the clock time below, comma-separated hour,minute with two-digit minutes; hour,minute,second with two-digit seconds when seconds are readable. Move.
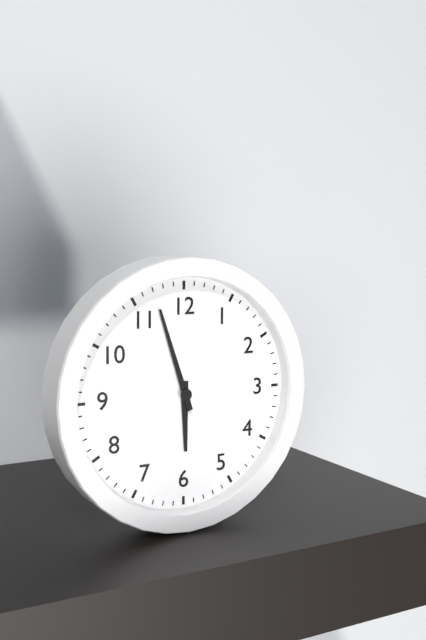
5,57
